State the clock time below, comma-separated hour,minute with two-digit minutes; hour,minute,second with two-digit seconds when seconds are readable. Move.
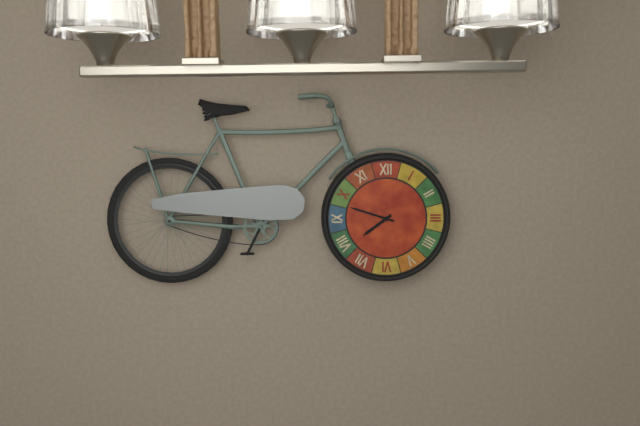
7,48
